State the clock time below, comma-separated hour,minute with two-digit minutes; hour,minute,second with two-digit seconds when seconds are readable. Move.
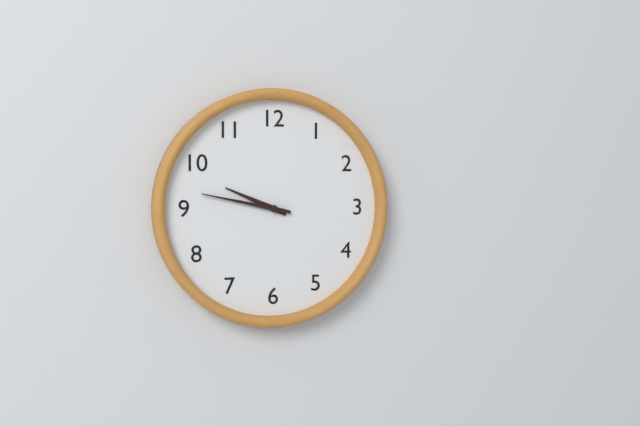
9,47
